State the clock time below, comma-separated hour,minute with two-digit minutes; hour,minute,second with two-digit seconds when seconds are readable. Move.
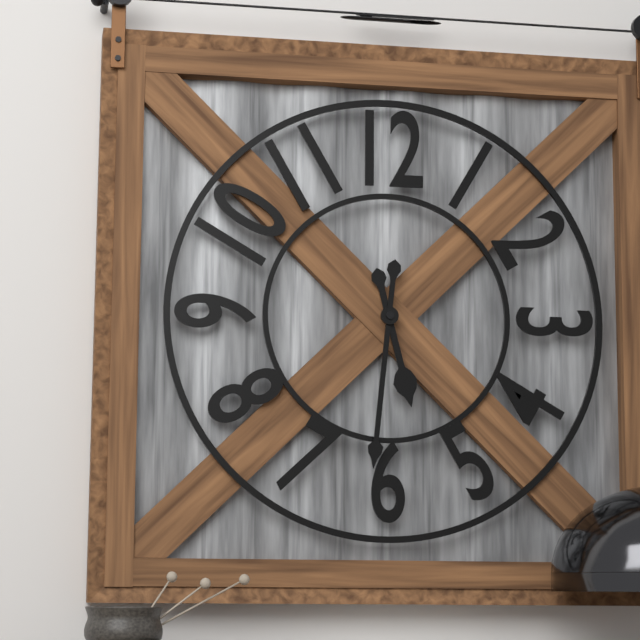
5,31
